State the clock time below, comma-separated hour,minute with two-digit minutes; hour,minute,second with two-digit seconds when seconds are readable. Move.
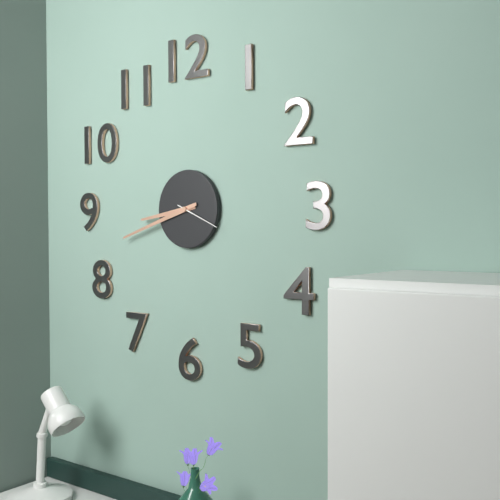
8,42
